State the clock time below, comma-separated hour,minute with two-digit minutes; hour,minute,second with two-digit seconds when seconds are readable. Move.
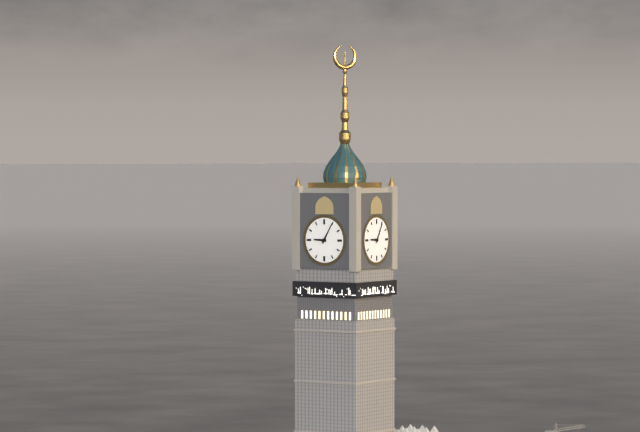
9,05
